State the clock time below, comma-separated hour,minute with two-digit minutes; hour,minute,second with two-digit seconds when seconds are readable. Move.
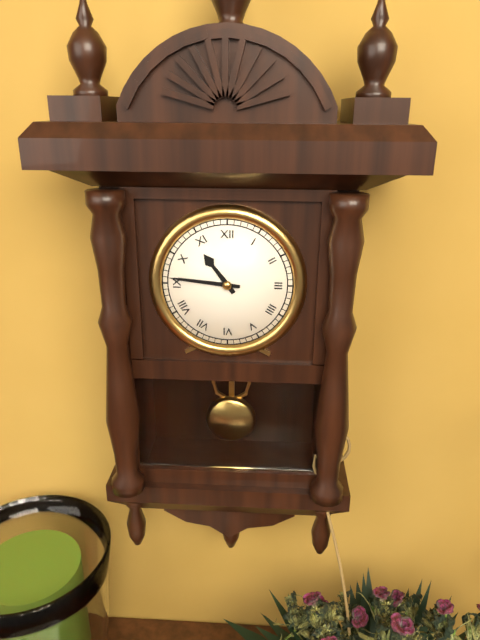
10,46
